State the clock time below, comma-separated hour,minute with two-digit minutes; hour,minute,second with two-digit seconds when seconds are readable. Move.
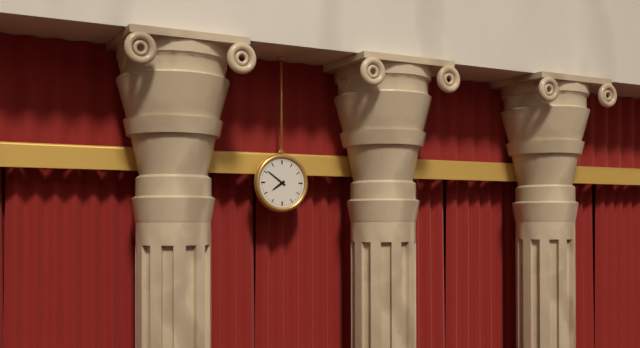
7,51
